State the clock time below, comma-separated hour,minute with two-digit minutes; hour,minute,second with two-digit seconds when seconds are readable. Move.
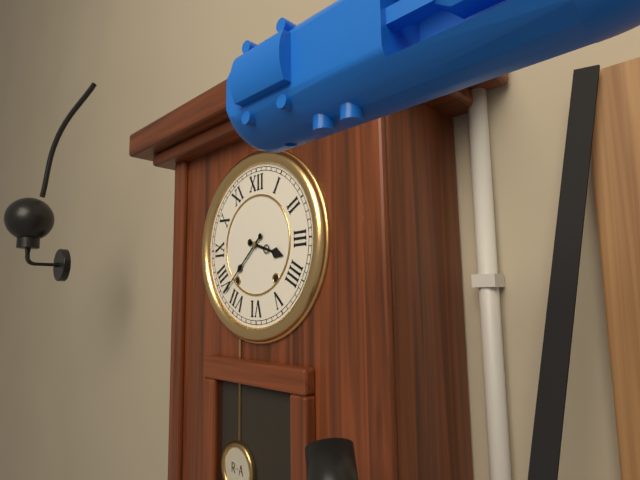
3,38
